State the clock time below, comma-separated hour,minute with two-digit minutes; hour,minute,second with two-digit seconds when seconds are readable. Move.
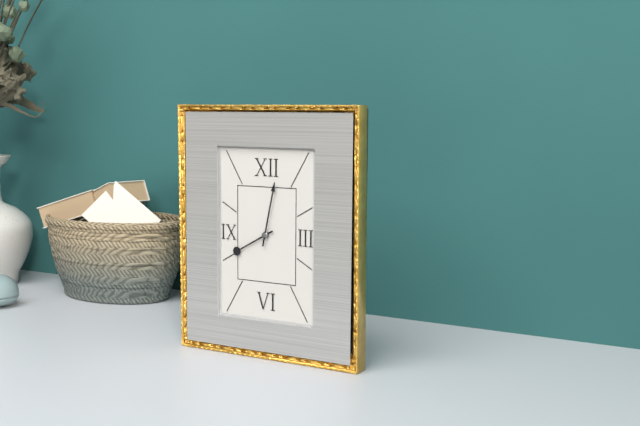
8,02
